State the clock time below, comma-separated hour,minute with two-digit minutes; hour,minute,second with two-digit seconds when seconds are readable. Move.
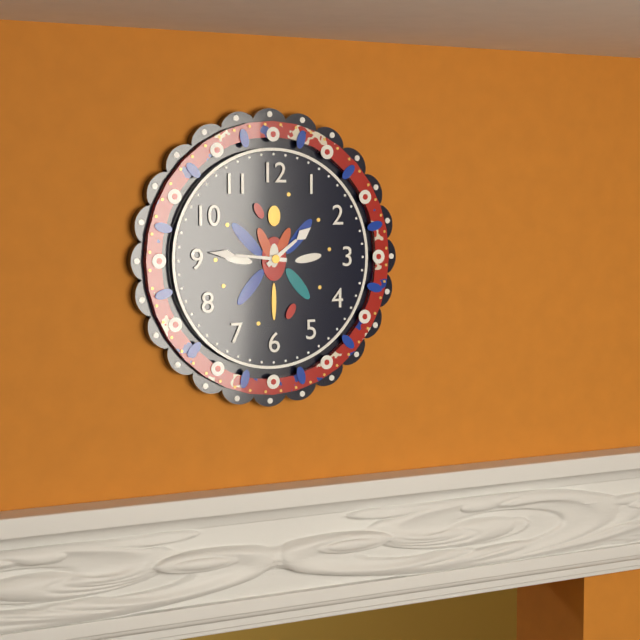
1,46
